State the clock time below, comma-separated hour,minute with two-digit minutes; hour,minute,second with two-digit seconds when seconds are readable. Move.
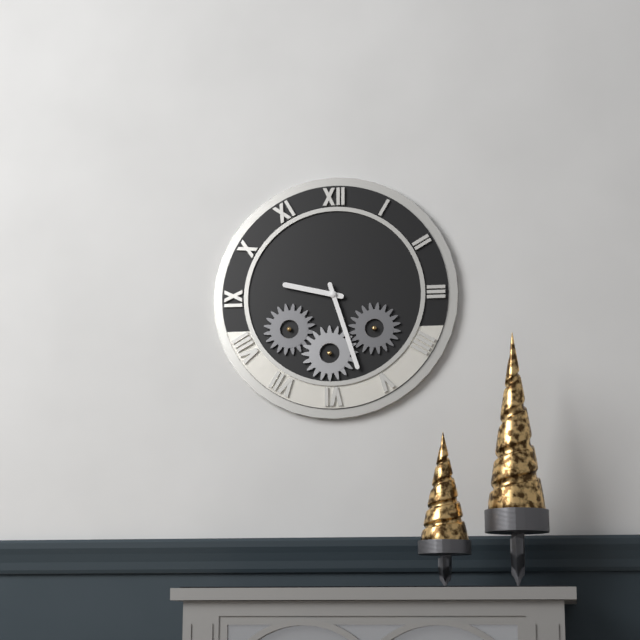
9,27
